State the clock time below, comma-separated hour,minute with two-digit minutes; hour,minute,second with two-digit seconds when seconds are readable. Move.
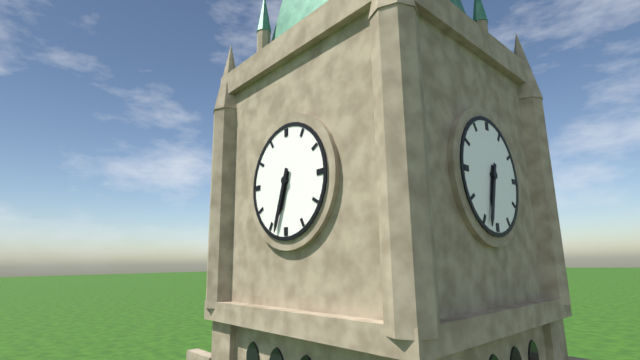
6,33
